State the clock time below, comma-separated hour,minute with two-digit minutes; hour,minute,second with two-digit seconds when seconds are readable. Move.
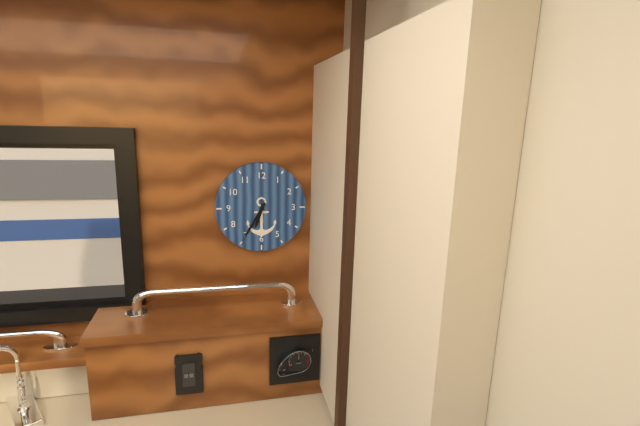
6,35
